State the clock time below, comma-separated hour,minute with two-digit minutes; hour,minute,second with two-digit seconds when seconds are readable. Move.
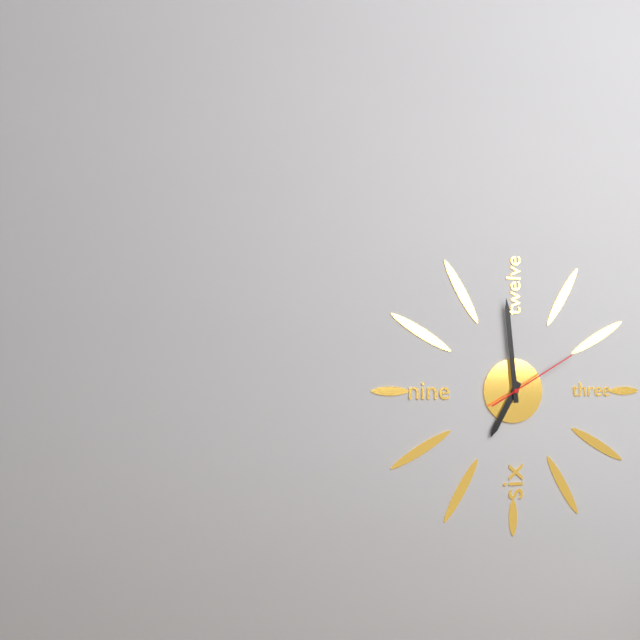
6,59,10
